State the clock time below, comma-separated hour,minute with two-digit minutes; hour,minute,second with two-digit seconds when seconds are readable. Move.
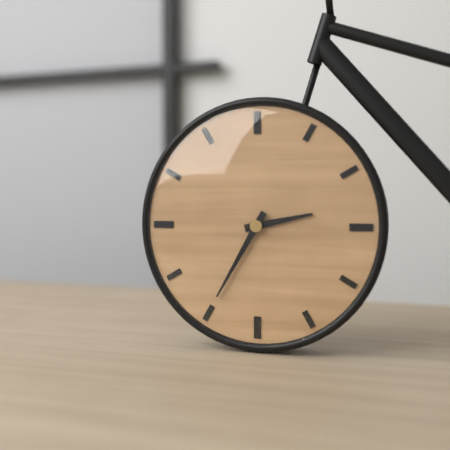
2,35
